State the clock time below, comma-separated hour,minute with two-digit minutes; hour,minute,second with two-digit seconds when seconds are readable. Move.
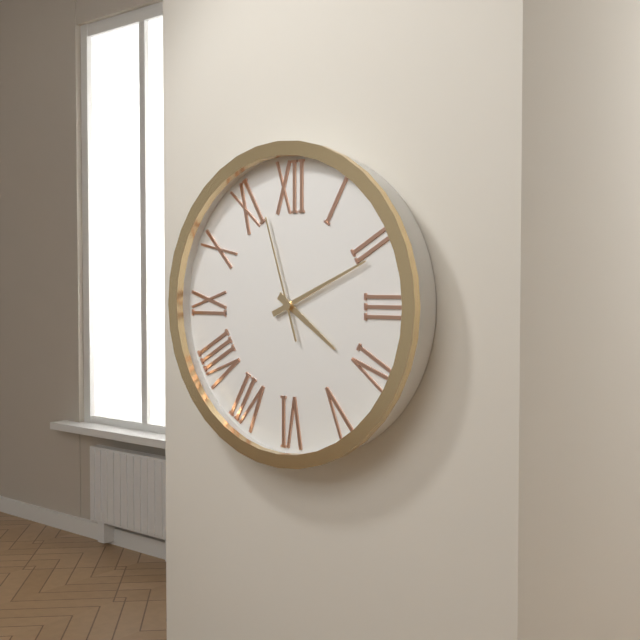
4,11,57
